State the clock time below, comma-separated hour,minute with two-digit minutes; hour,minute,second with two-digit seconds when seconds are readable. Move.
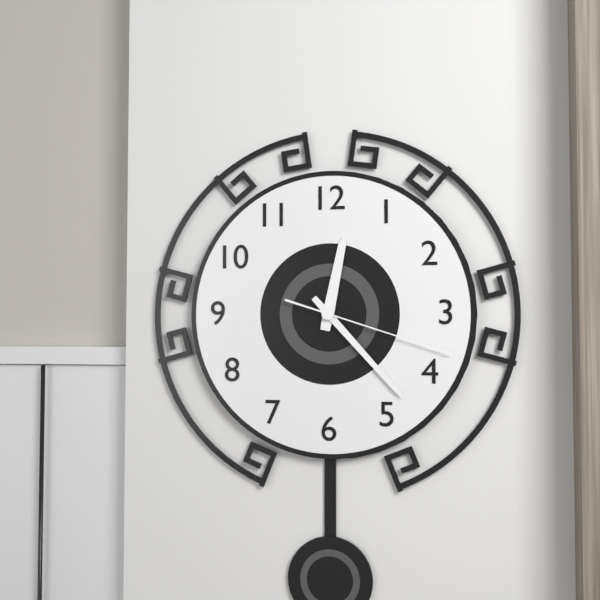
12,23,18
